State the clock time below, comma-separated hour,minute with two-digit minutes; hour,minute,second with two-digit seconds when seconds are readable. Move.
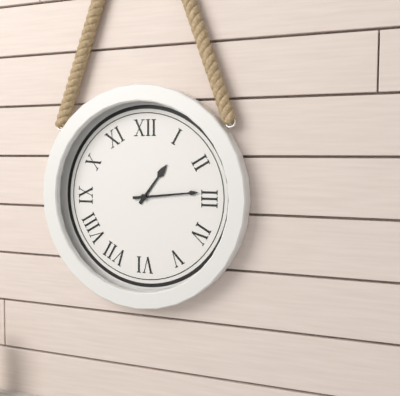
1,14
